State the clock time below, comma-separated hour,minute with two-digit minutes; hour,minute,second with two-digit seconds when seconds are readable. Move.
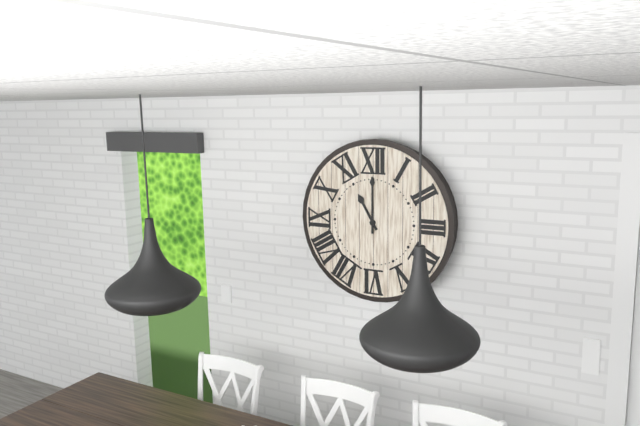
11,00
